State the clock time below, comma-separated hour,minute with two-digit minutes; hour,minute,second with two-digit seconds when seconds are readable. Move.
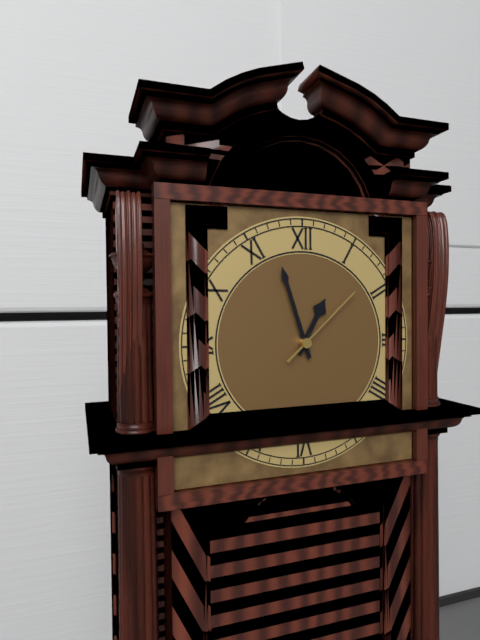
12,57,08
